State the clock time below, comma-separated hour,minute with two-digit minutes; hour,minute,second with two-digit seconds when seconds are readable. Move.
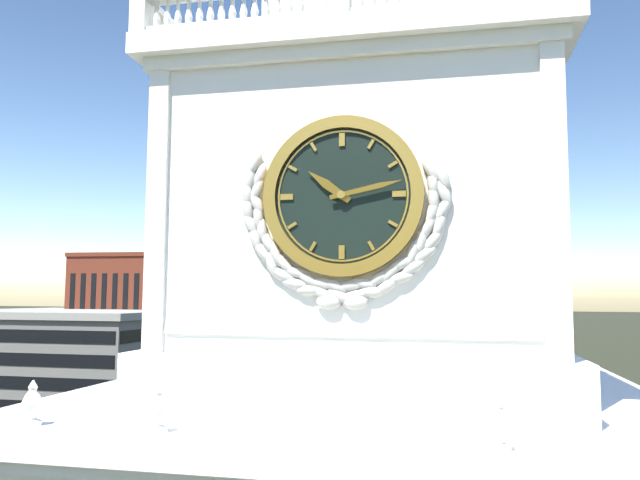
10,13
